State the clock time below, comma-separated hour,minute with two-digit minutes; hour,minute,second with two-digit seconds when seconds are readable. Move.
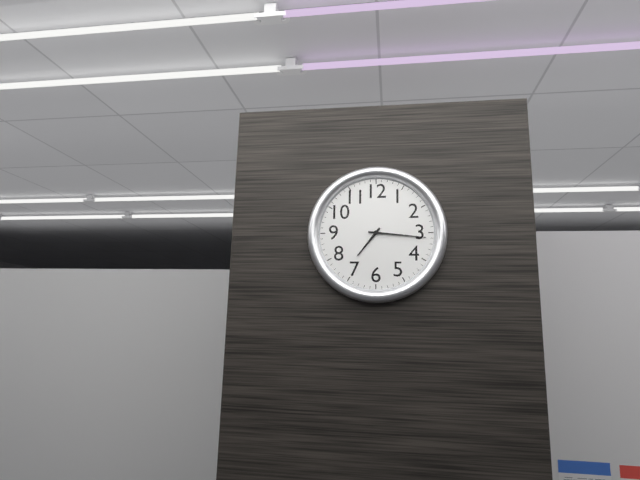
7,16
